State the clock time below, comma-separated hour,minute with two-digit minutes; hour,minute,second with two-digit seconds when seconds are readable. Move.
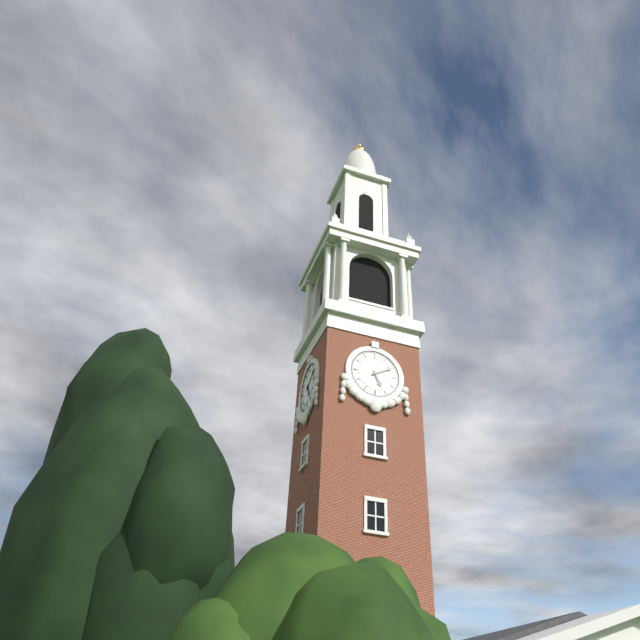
5,10
